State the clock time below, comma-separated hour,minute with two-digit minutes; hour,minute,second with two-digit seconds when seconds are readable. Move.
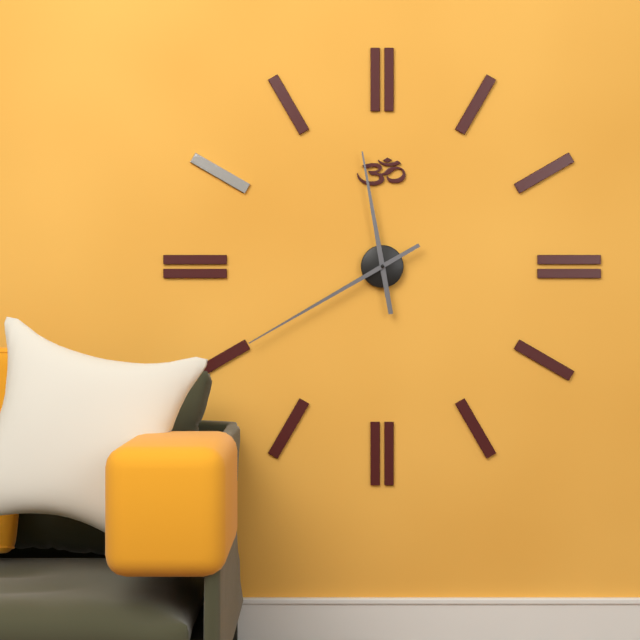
11,40
